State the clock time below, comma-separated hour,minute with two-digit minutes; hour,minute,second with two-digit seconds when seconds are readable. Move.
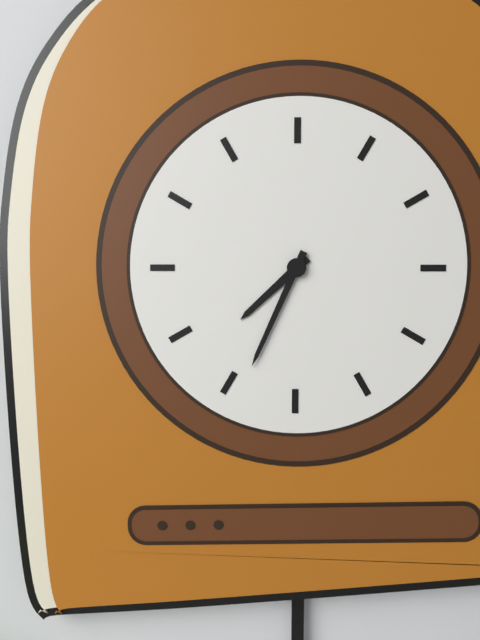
7,34
